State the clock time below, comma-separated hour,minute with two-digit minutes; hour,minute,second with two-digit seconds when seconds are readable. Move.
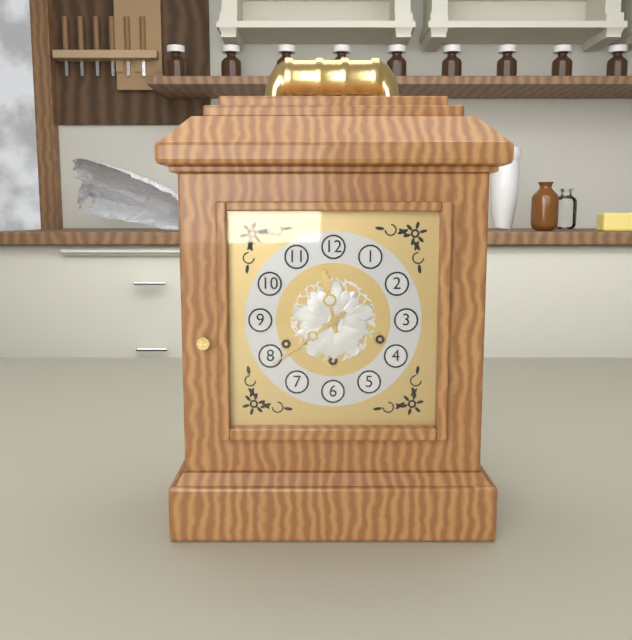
11,39
